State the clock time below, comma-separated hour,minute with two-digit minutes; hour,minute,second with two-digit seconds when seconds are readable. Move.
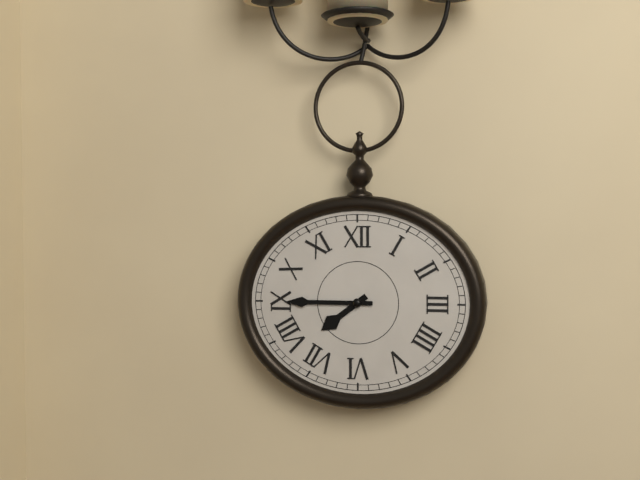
7,45
